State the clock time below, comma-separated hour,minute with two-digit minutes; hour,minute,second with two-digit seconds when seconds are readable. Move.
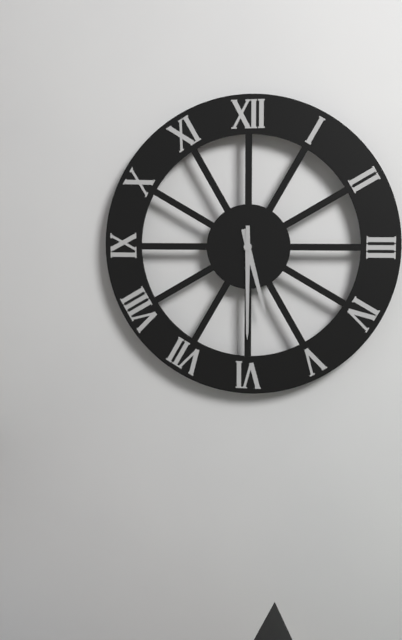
5,30
